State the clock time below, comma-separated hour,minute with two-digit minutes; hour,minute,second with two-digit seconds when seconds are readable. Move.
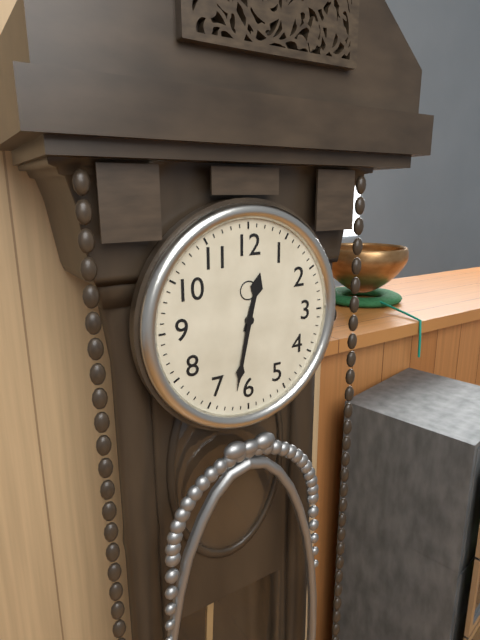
12,32
